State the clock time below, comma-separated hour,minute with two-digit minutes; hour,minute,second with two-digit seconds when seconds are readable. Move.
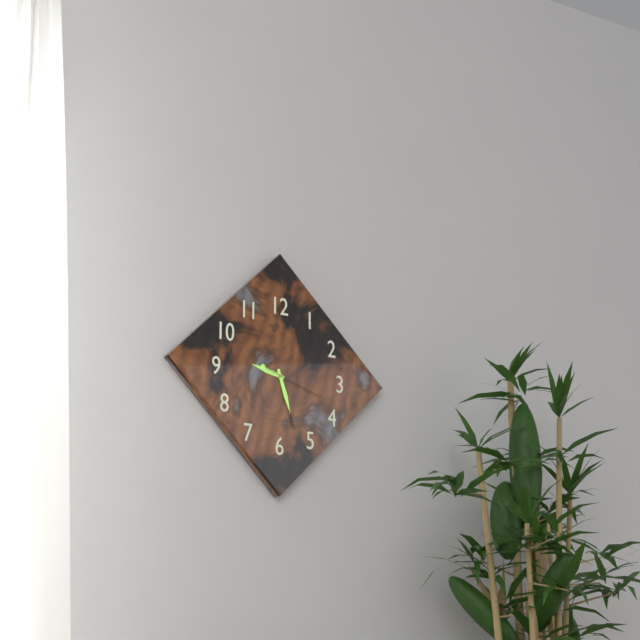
9,27,18
